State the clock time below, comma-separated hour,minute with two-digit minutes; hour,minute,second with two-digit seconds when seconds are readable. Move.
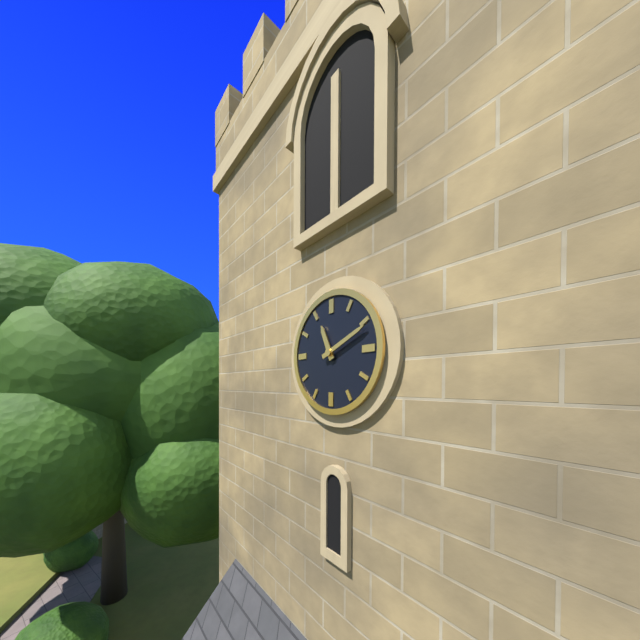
11,11
